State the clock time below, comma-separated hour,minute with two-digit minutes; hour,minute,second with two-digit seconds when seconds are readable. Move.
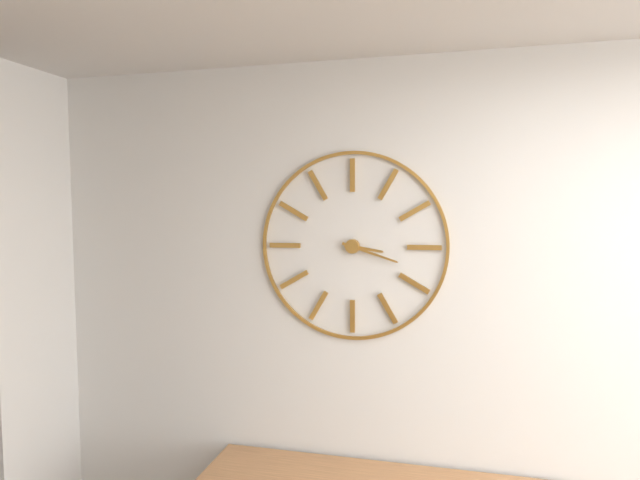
3,18
